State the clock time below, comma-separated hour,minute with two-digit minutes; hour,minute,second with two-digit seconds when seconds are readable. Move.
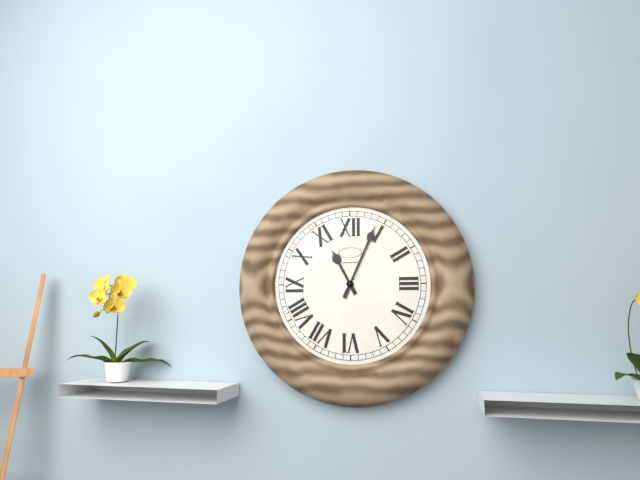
11,04
